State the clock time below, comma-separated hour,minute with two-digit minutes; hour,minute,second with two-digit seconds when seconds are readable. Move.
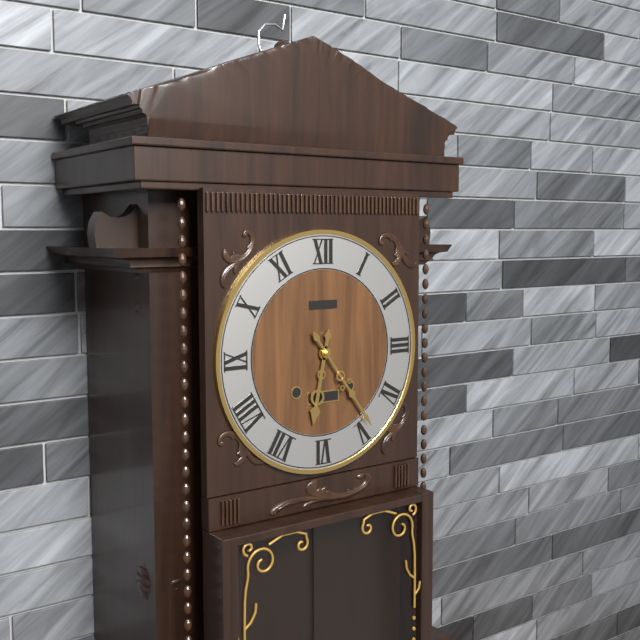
6,24
